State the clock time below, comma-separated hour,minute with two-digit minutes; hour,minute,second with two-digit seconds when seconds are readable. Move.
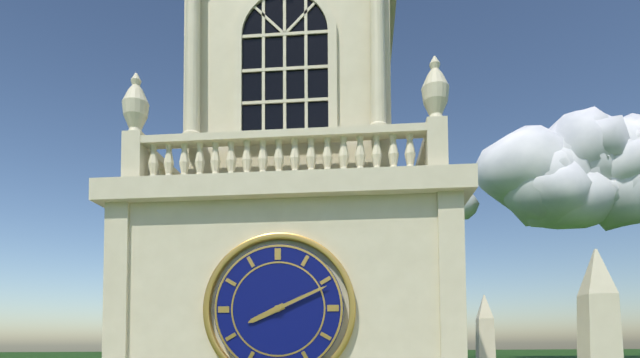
8,11
